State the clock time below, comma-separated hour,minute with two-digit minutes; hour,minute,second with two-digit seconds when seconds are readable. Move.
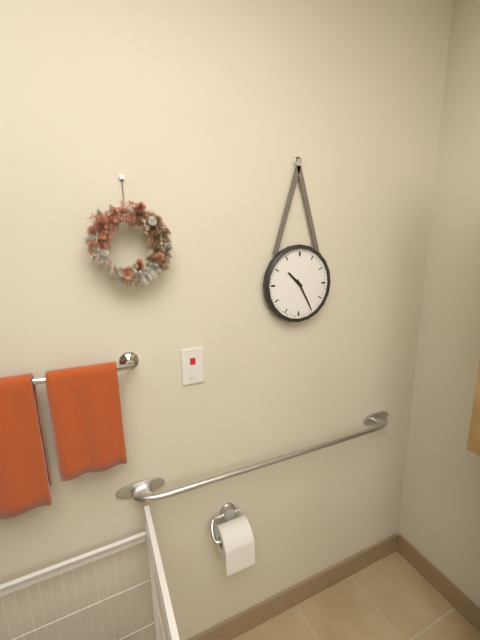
10,25
